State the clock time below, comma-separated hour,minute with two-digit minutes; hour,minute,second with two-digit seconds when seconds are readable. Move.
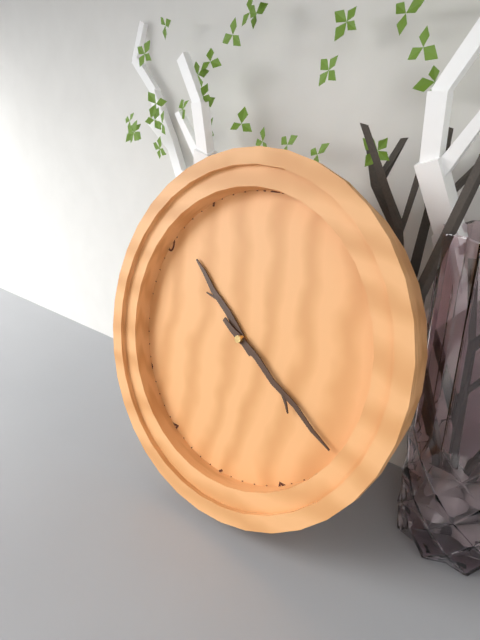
10,20
